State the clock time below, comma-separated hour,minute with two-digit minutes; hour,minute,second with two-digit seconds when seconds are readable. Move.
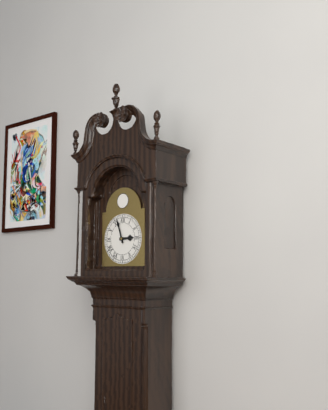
2,57
